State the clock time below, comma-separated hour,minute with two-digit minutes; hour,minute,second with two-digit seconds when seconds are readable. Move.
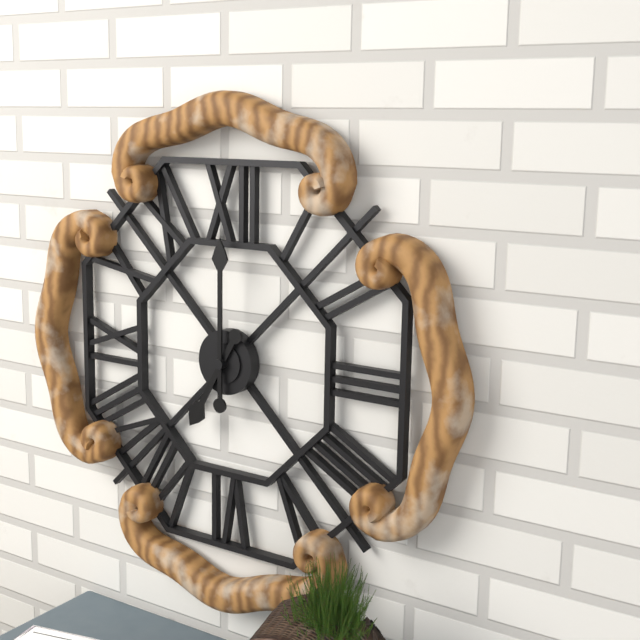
7,00
